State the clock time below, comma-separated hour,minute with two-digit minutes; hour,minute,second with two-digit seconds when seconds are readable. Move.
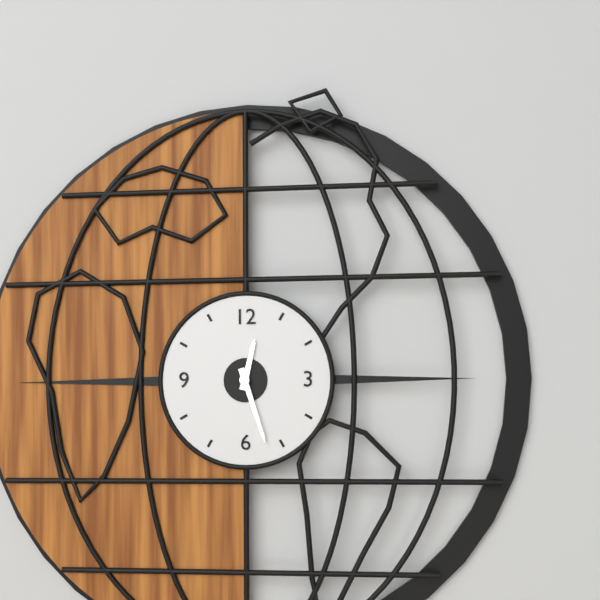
12,27
